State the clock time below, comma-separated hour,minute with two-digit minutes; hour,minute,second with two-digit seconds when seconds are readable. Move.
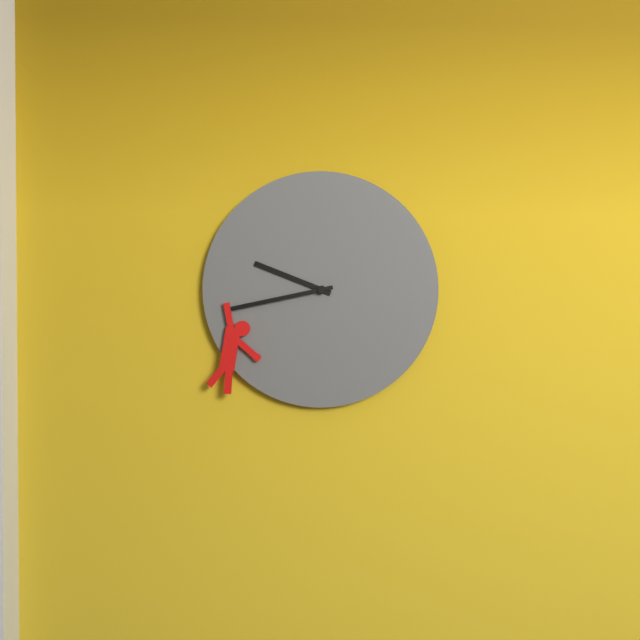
9,43
